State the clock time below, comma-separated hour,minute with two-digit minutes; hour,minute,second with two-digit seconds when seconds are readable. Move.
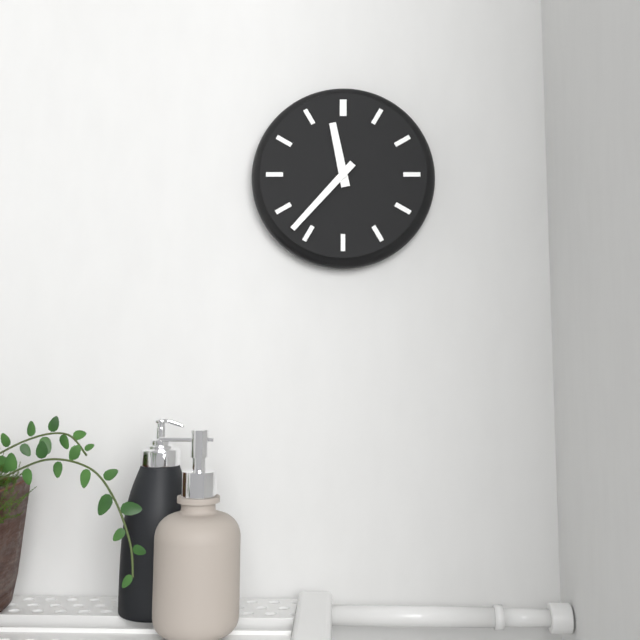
11,37
